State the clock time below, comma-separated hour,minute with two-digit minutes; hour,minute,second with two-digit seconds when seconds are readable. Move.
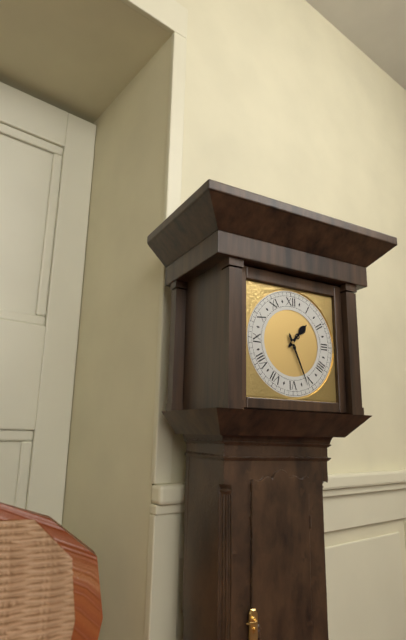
1,26
